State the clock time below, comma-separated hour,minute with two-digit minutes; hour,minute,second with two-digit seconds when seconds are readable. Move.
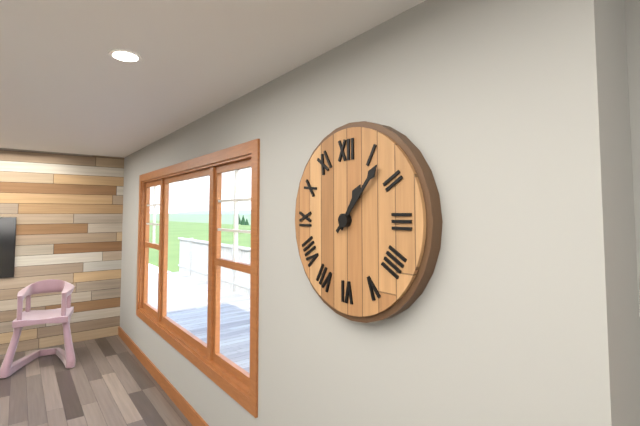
1,07
